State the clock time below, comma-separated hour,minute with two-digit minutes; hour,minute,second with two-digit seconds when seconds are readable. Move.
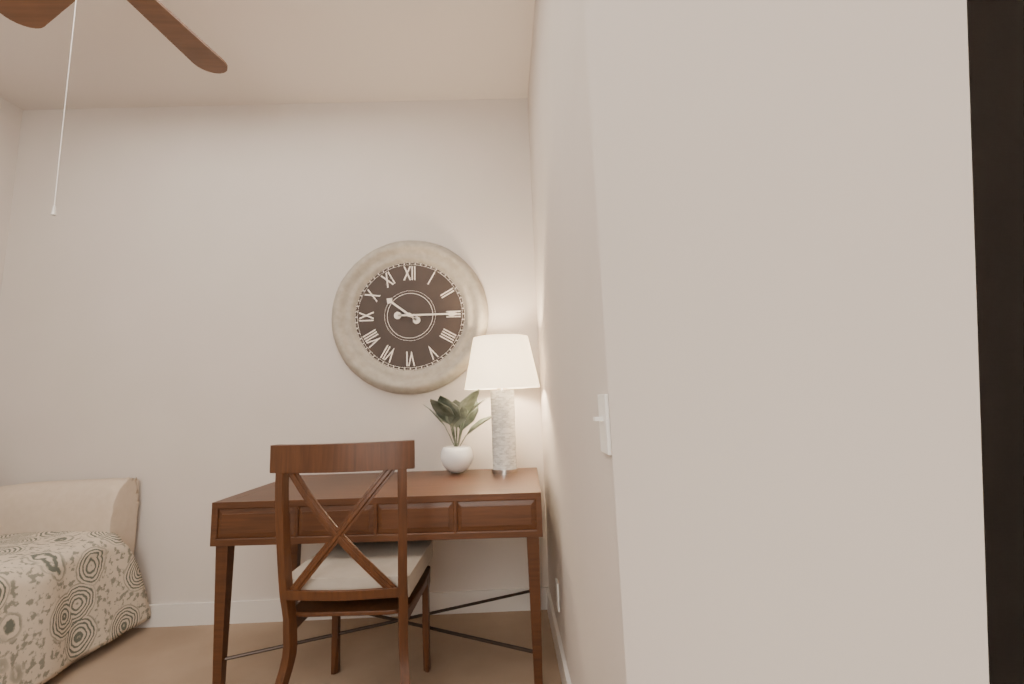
10,15
